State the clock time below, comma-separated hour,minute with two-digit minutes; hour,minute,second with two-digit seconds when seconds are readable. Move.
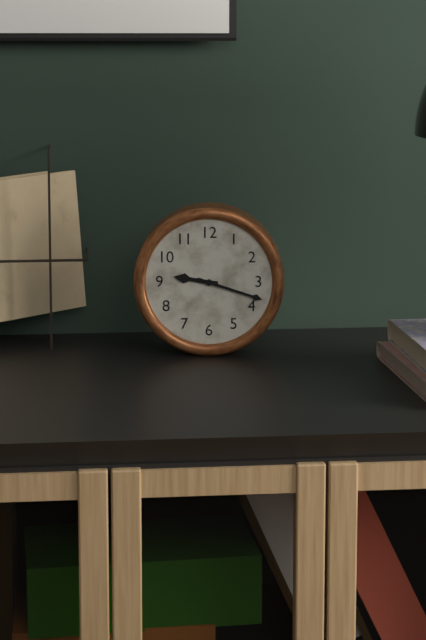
9,18
